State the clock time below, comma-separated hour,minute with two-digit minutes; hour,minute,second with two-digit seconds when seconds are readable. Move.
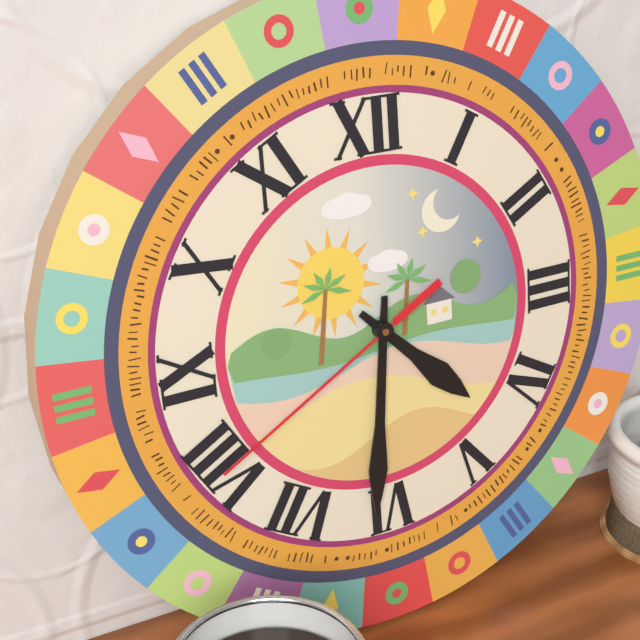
4,31,40
